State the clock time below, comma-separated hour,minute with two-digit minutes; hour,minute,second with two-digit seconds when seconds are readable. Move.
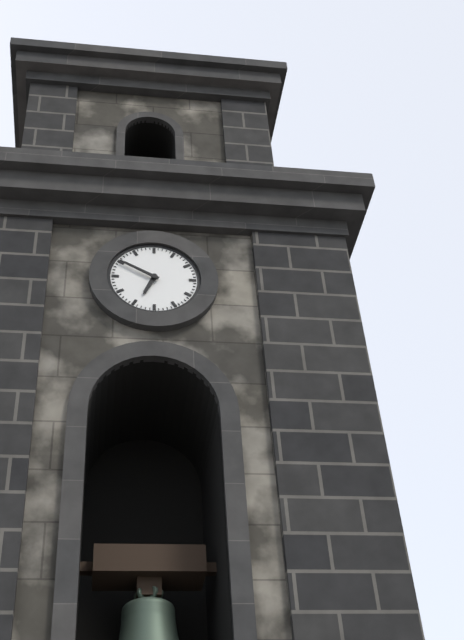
6,50
